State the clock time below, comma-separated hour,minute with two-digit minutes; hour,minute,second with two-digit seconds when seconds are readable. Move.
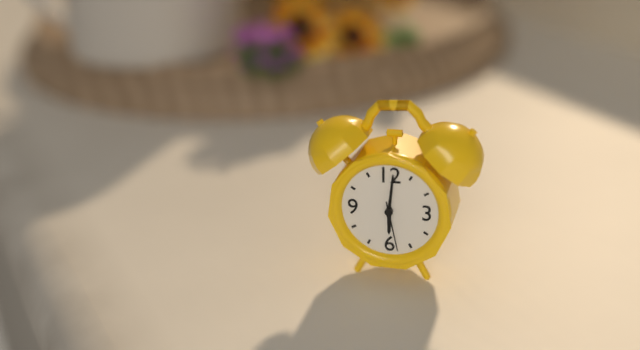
6,01,28
